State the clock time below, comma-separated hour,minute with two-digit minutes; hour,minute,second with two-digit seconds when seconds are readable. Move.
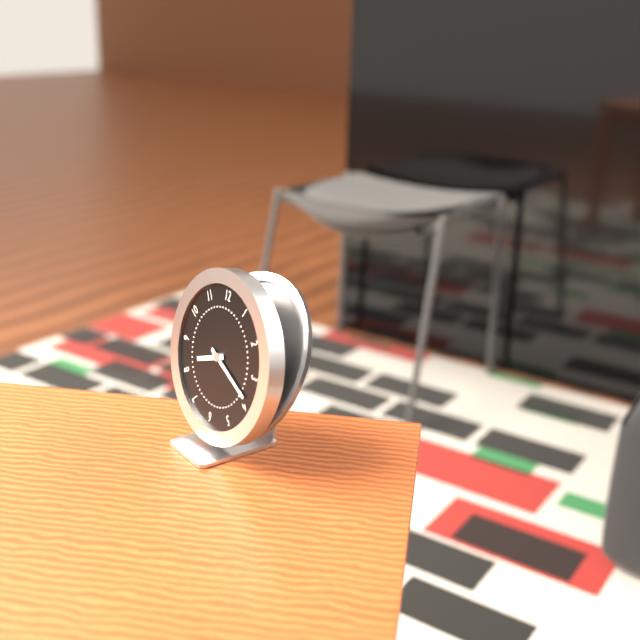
8,19
